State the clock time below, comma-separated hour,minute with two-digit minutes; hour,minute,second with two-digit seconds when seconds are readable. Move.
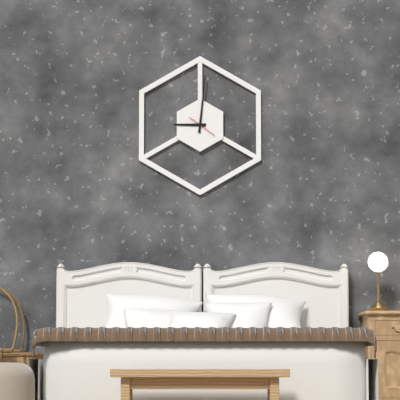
9,01
